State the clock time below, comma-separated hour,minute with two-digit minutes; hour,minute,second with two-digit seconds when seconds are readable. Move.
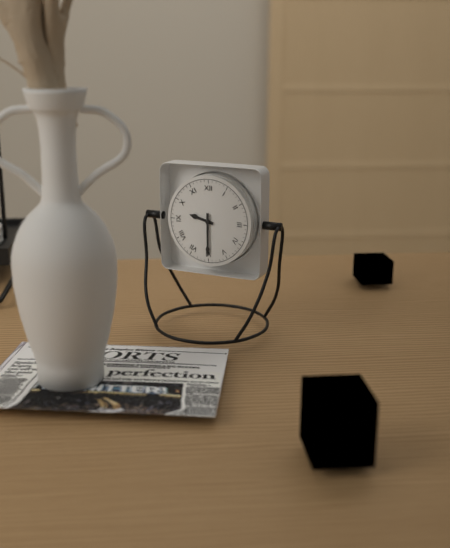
9,30
